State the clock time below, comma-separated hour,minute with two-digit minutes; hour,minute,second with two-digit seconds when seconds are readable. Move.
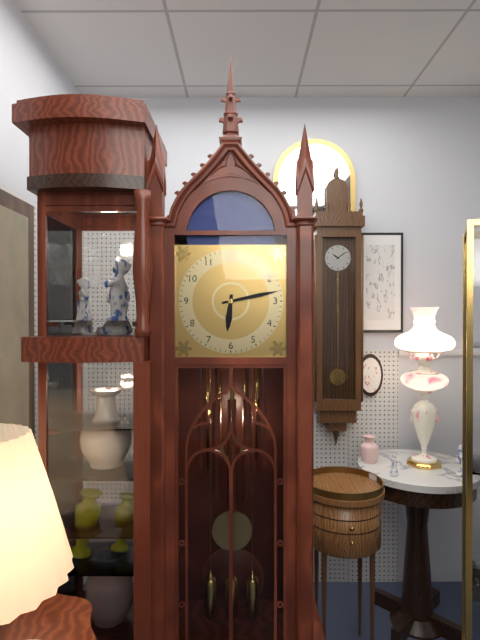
6,13
